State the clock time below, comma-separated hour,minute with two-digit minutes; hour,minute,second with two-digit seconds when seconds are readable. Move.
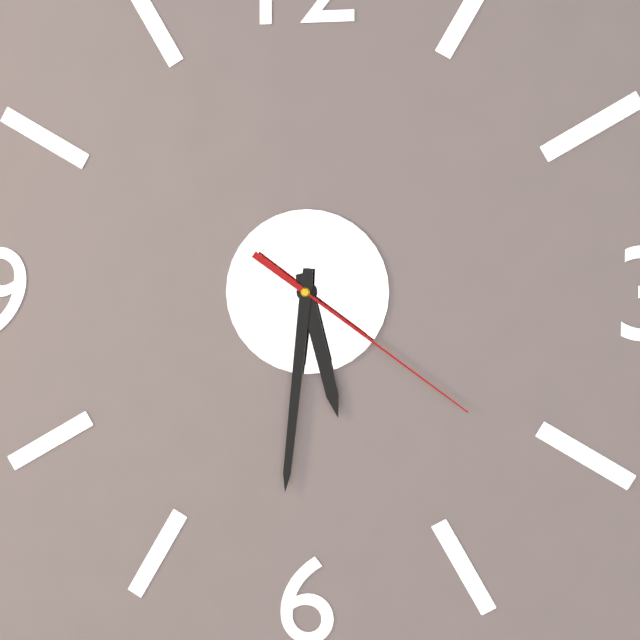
5,31,21
